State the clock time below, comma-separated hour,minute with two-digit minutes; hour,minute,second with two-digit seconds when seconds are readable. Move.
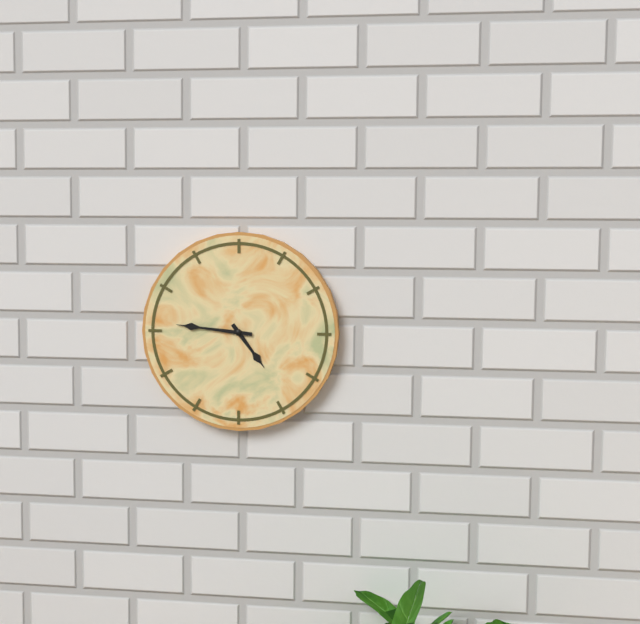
4,46
